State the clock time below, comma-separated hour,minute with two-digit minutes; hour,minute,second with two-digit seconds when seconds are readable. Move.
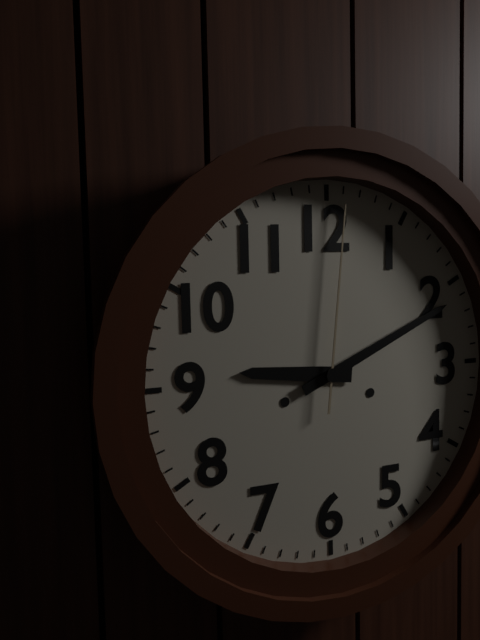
9,11,01
